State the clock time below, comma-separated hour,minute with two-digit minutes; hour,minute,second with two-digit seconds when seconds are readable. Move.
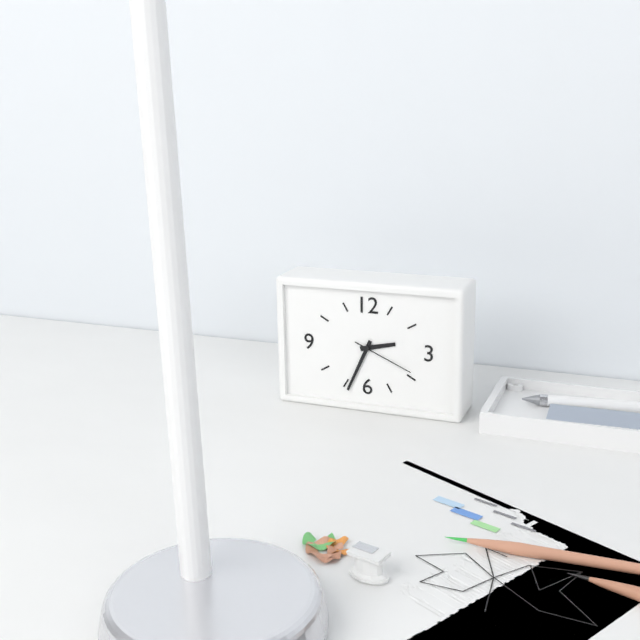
2,34,19
